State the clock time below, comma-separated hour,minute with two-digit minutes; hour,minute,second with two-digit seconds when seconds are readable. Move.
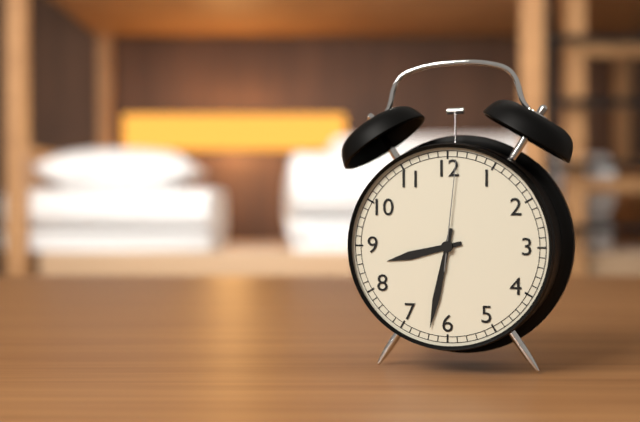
8,32,01
